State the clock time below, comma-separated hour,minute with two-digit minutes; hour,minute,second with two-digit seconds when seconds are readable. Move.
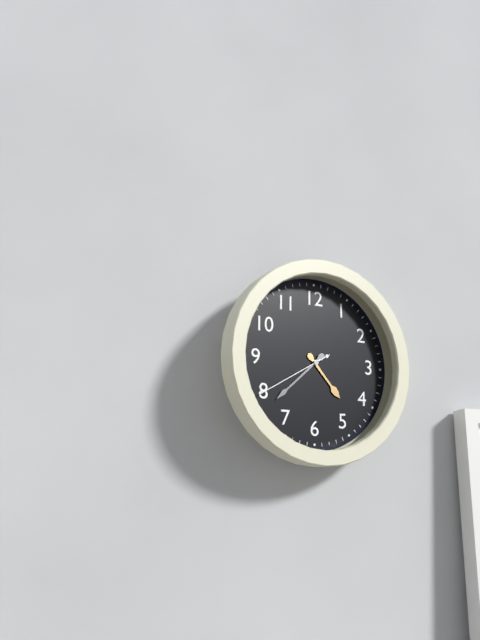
4,38,40
